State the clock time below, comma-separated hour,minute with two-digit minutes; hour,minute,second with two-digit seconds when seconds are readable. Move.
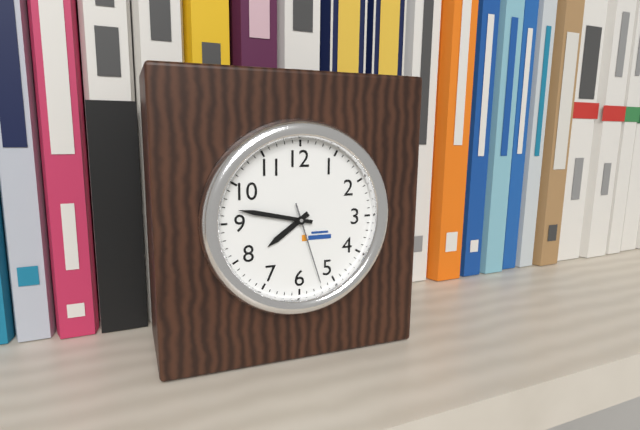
7,47,27
